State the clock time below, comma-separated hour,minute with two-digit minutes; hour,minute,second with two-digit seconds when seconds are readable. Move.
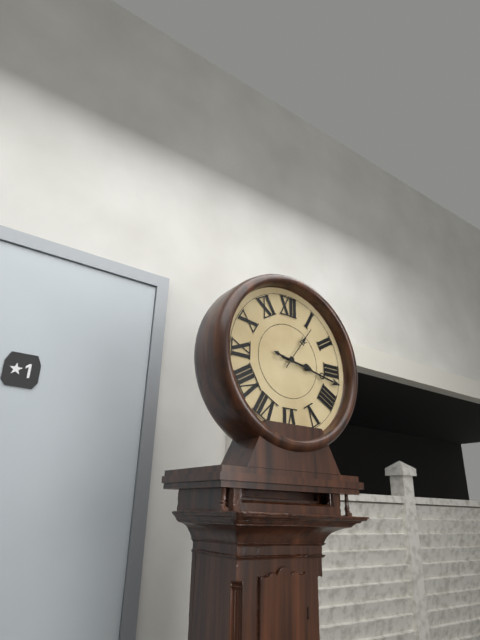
3,17,06
